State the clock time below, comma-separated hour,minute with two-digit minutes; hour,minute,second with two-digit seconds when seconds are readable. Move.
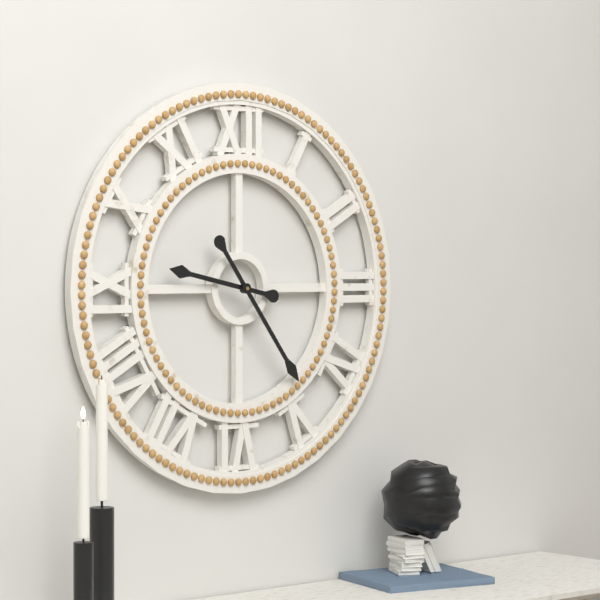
9,24
